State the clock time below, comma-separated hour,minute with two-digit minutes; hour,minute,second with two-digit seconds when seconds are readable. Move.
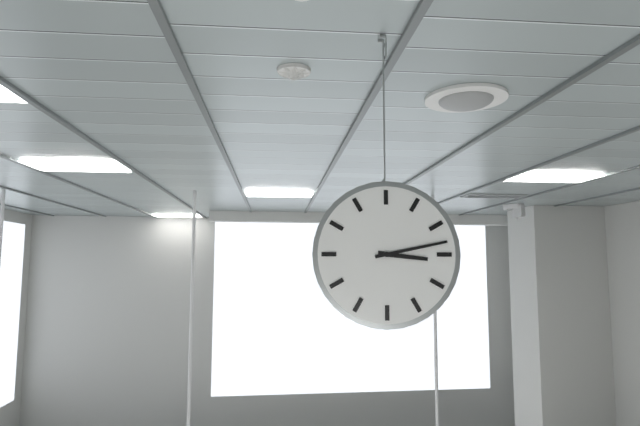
3,13
